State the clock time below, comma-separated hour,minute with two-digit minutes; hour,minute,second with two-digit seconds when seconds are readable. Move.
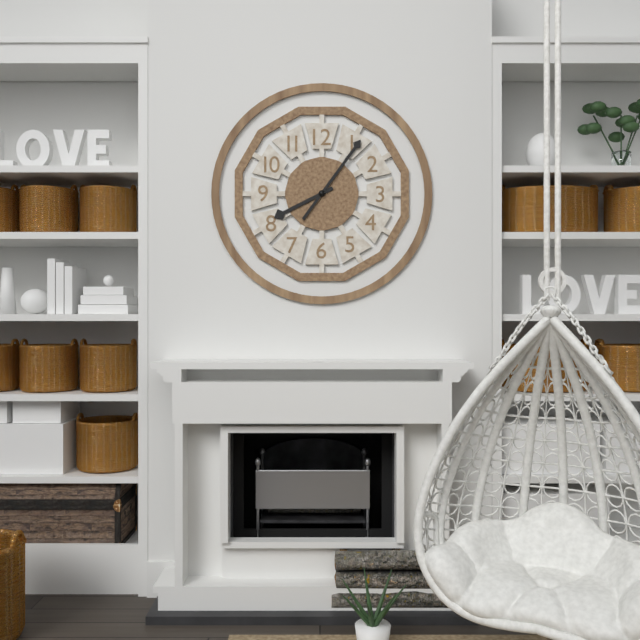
8,06
